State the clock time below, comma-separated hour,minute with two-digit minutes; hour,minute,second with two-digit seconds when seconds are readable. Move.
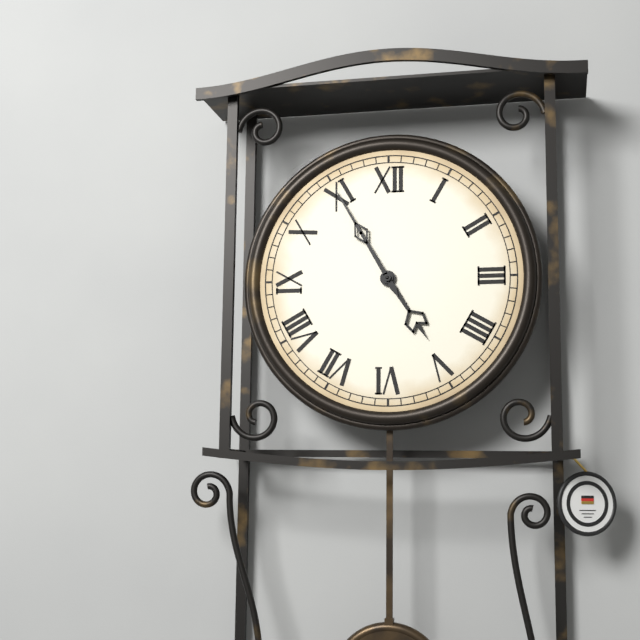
4,55
